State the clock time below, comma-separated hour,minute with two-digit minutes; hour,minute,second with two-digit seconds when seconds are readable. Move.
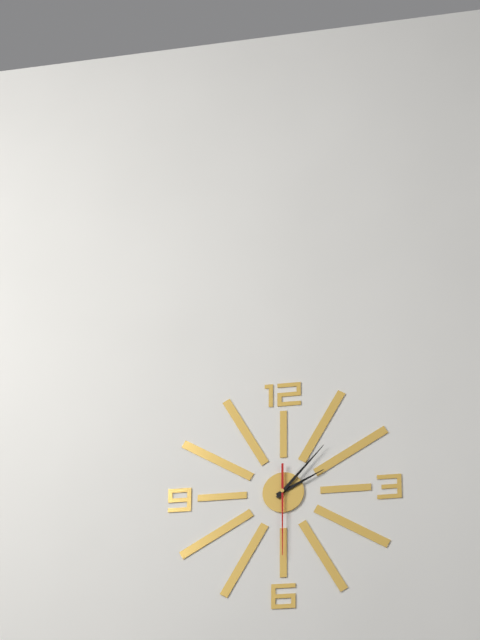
2,07,30
